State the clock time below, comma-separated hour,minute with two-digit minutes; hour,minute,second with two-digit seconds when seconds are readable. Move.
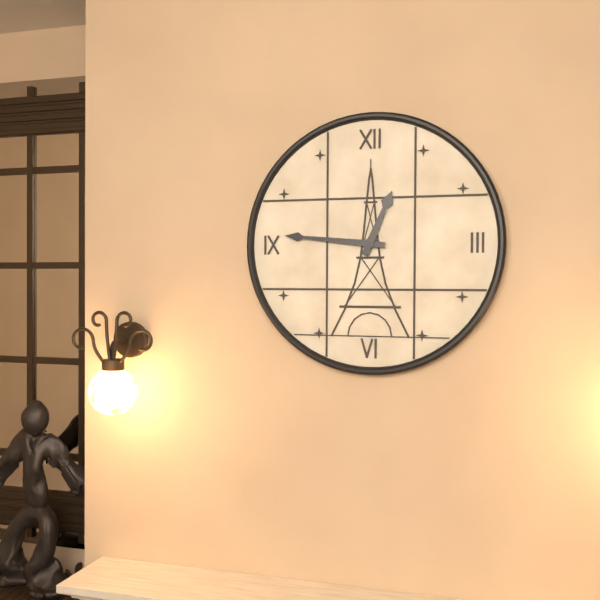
12,46
